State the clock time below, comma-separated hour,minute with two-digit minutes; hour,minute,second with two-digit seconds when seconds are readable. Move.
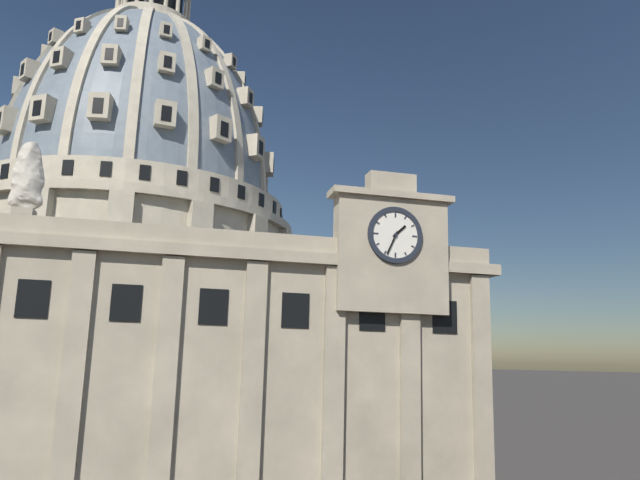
1,34
